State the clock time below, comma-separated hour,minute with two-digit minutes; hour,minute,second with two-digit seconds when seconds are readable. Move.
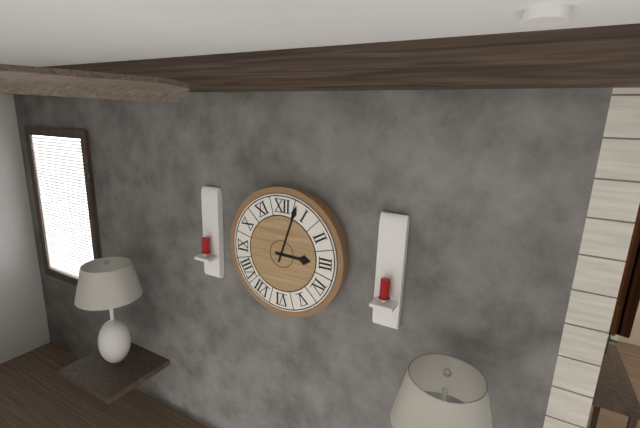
3,03
